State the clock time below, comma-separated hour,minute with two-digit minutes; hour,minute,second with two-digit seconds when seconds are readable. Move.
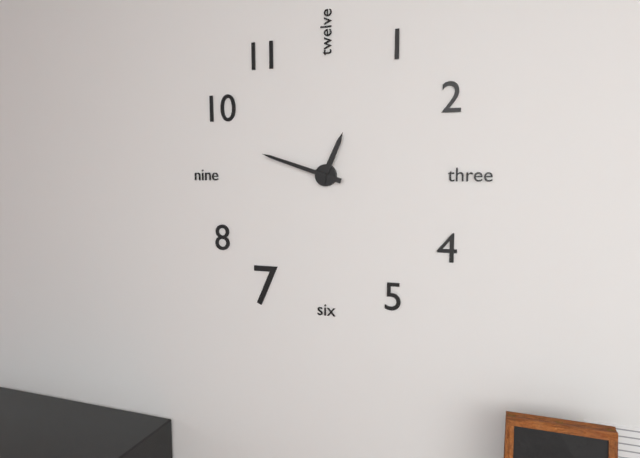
12,48
